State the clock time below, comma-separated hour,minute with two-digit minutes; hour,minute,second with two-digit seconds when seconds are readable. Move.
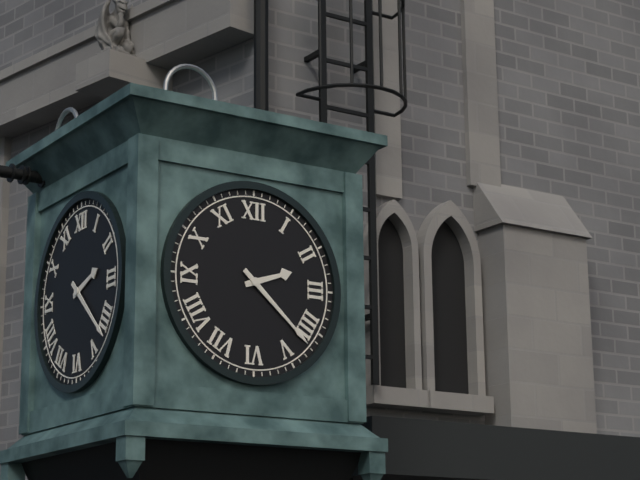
2,22
